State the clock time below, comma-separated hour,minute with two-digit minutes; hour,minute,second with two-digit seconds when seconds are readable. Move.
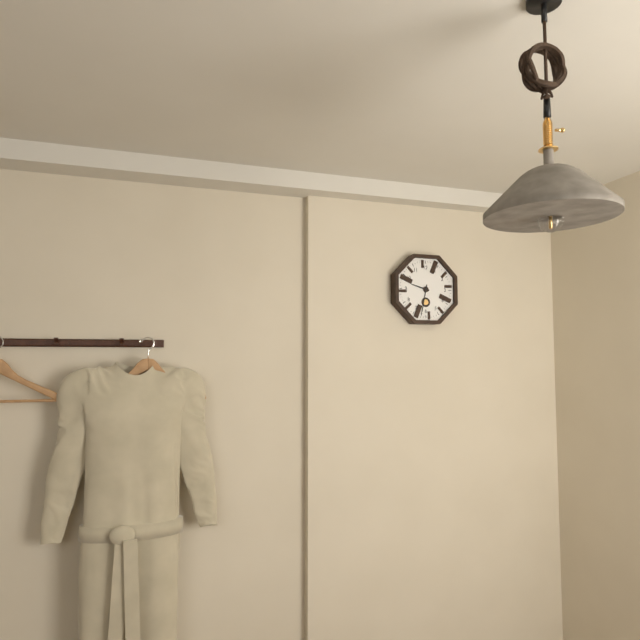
9,32
